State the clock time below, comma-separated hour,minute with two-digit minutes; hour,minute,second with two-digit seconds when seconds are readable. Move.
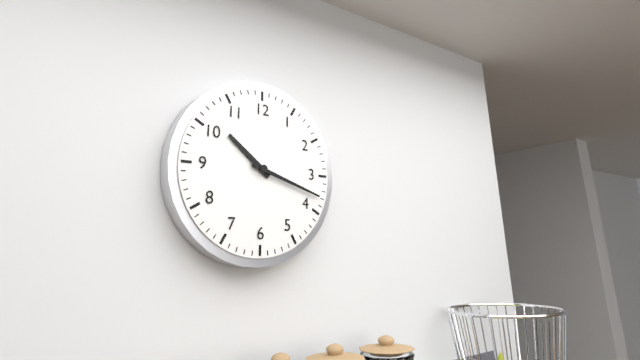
10,18
